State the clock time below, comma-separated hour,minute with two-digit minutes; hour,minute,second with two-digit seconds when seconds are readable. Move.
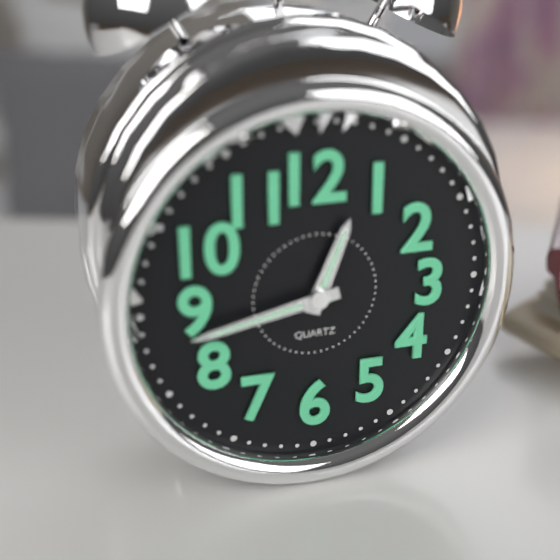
12,43
